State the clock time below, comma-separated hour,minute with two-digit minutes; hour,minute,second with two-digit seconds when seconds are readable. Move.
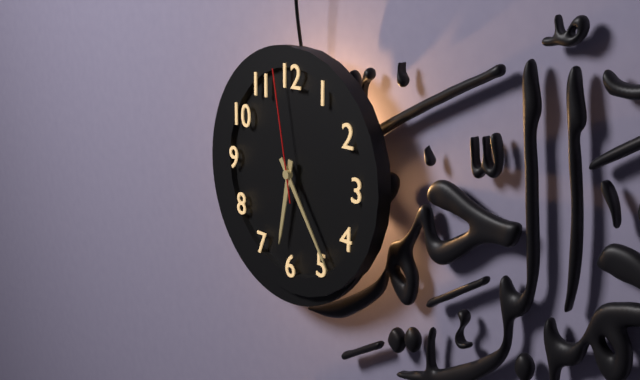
6,24,58
